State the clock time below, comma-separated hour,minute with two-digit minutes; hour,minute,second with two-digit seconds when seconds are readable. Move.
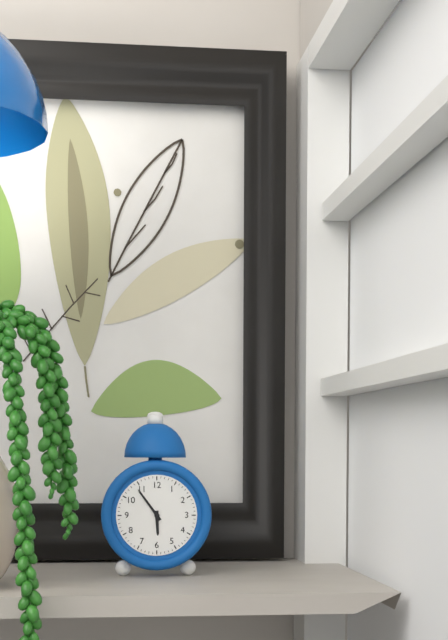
5,54
